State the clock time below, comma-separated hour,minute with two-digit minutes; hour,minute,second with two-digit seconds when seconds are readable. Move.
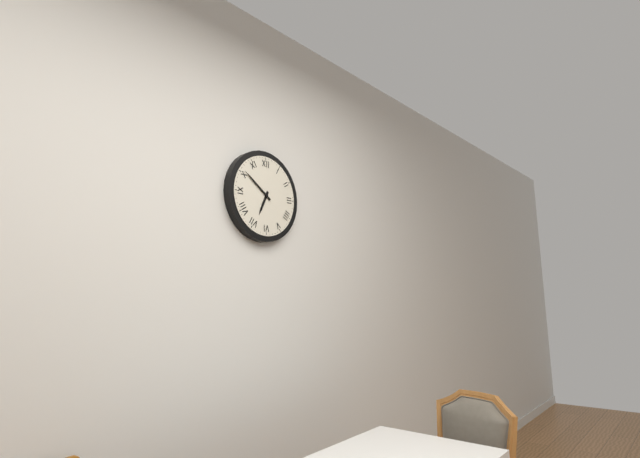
6,51
